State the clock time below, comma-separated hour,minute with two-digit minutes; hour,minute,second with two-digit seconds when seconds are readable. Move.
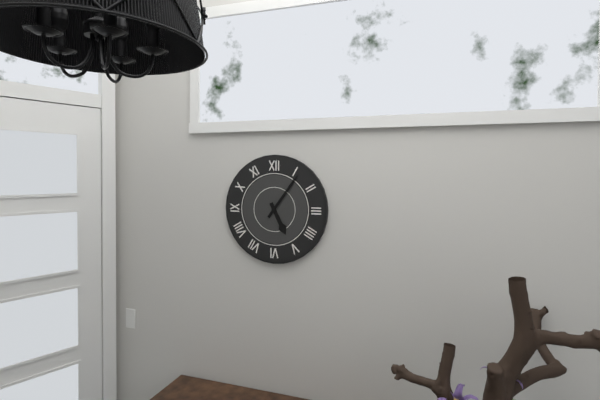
5,06
